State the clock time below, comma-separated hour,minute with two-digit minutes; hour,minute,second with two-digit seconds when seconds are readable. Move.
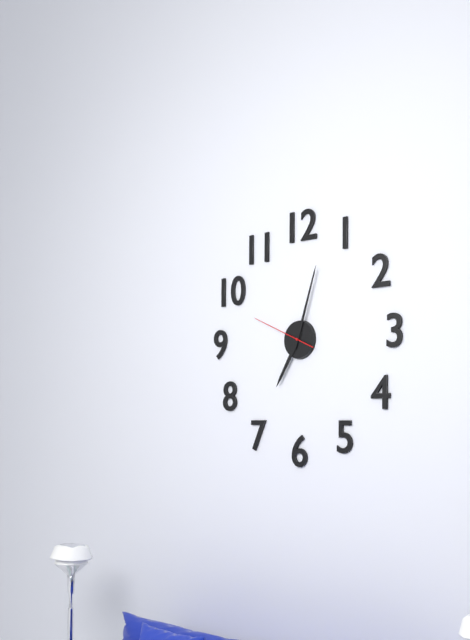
7,03,49
